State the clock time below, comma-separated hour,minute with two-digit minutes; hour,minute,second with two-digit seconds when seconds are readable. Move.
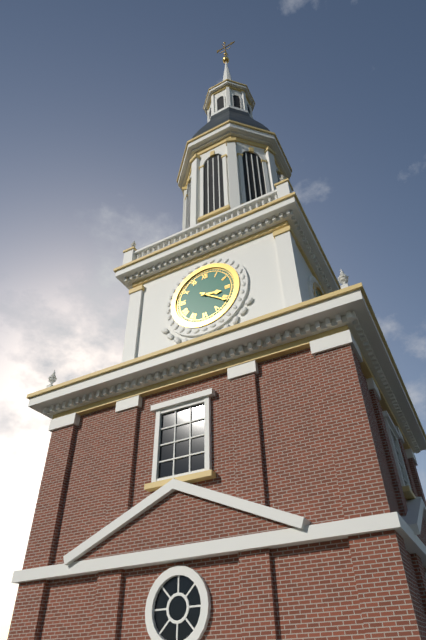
3,21
